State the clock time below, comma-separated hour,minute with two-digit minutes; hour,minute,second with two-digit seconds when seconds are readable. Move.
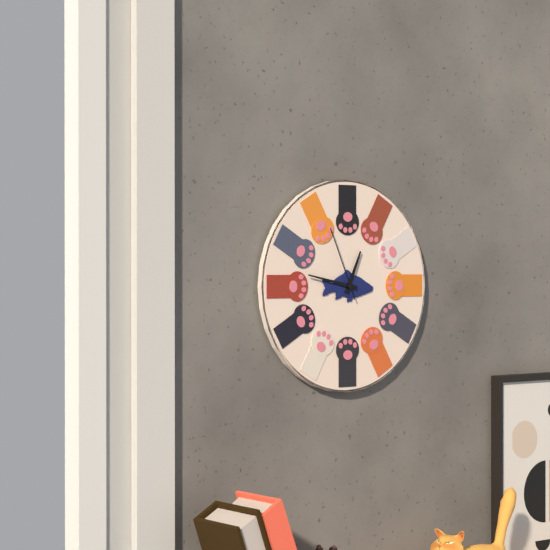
12,47,56
